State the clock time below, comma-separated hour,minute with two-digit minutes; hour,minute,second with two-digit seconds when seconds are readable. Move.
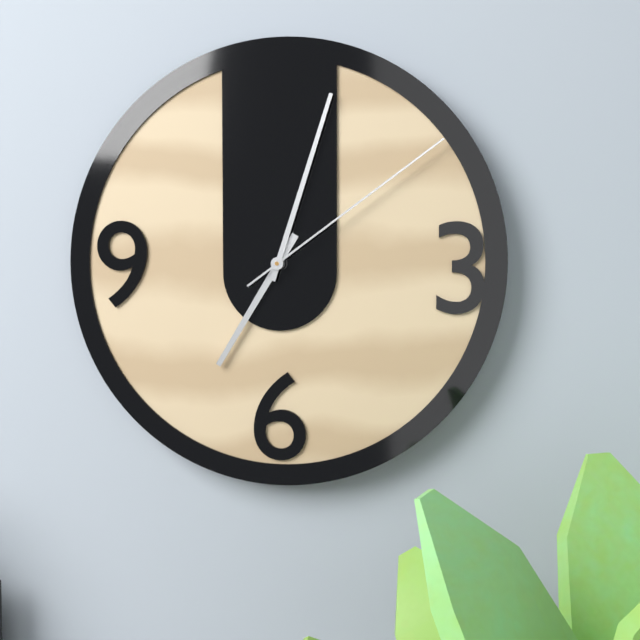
7,03,09
